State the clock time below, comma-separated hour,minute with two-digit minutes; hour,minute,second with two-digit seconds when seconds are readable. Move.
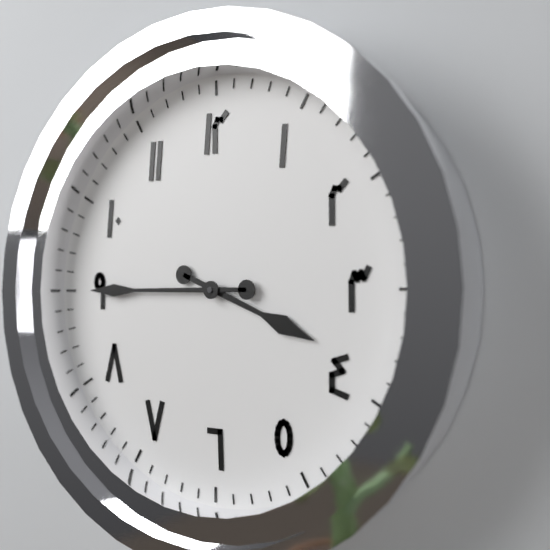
3,45
